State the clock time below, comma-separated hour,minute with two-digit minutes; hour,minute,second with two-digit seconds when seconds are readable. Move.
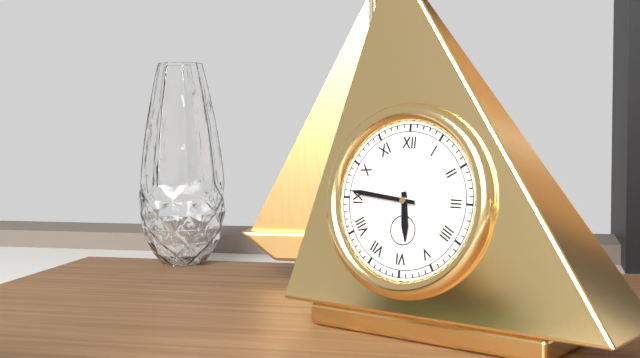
5,46
